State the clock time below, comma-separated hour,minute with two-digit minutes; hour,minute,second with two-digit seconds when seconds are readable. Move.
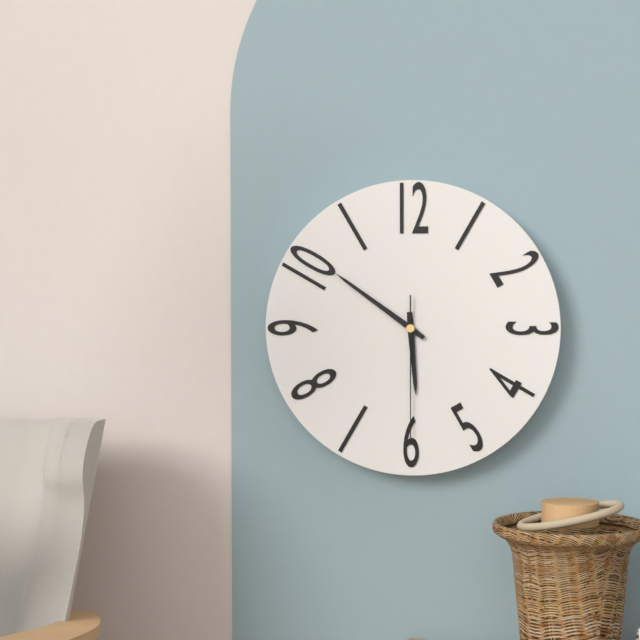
5,51,30
